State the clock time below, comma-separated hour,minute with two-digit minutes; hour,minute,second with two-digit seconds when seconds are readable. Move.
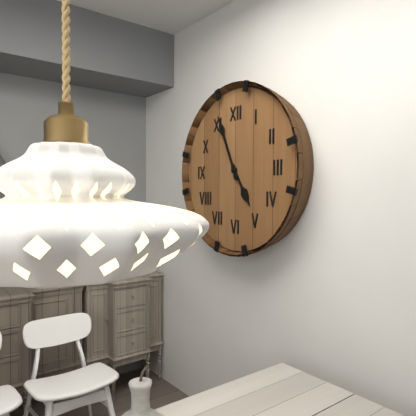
4,56
